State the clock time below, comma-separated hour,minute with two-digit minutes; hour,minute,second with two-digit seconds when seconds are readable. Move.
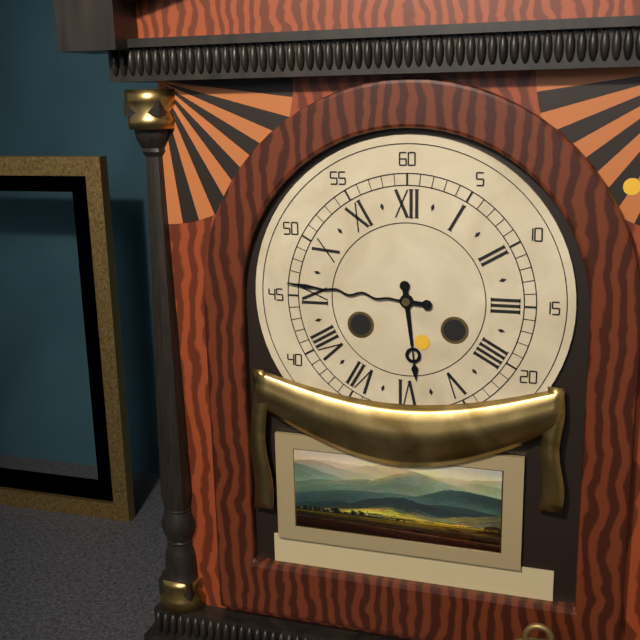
5,46
